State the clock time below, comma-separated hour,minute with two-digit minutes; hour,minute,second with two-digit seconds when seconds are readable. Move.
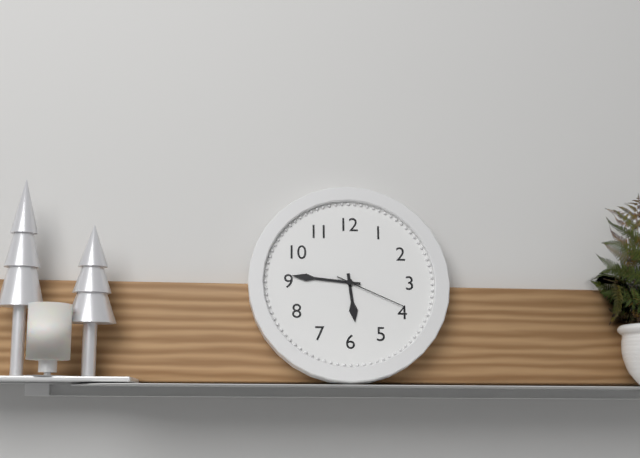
5,46,19
